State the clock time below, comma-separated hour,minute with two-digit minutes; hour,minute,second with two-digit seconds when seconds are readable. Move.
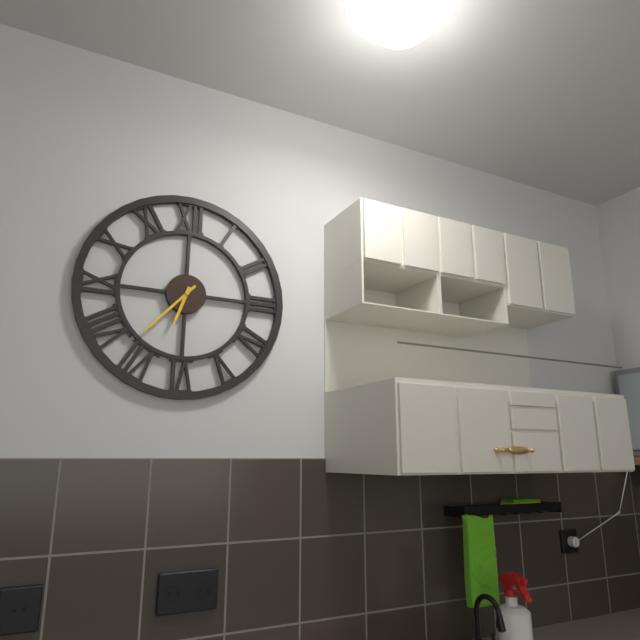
6,37
